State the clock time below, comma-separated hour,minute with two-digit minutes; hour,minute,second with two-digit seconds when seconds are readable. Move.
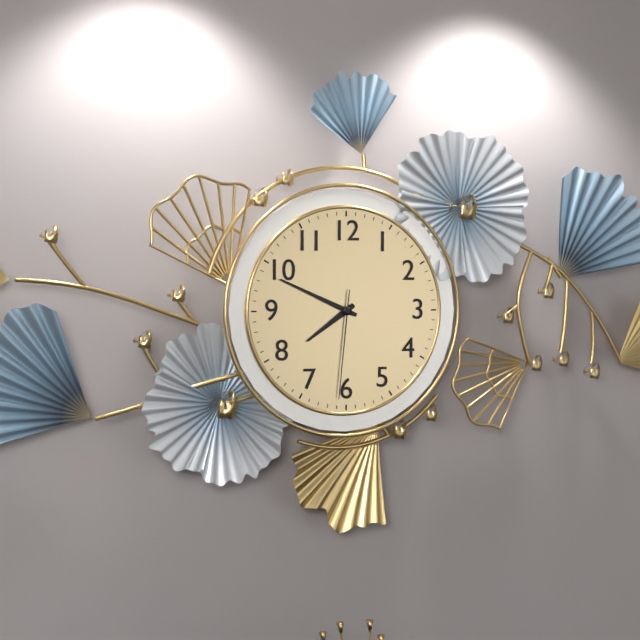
7,49,31
